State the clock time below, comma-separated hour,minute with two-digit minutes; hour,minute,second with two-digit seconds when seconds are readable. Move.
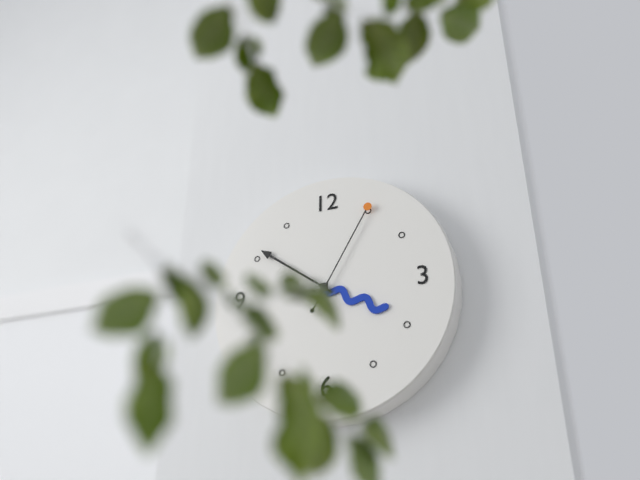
3,51,05
